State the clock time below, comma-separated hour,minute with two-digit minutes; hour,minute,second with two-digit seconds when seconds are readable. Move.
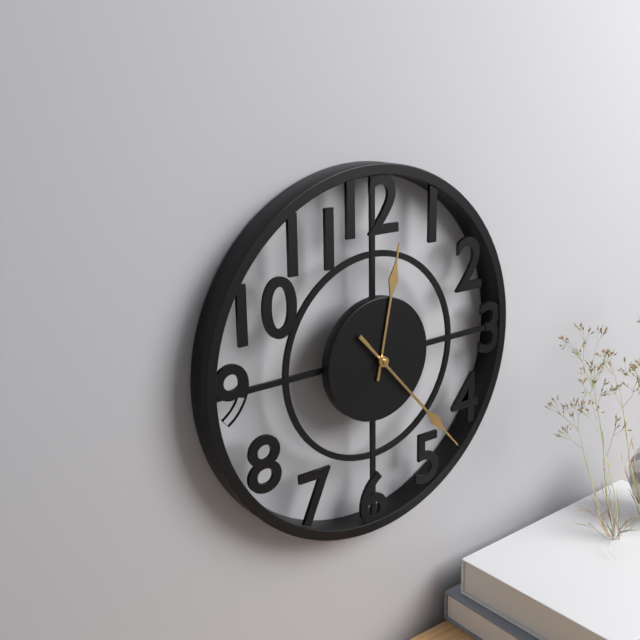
12,23
